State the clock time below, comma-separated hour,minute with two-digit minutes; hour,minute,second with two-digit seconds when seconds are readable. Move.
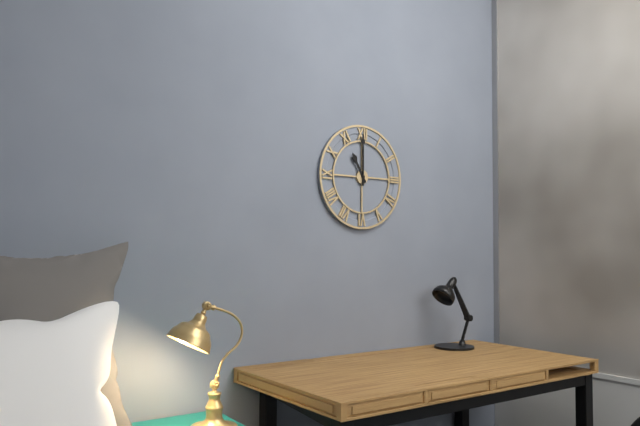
11,00
